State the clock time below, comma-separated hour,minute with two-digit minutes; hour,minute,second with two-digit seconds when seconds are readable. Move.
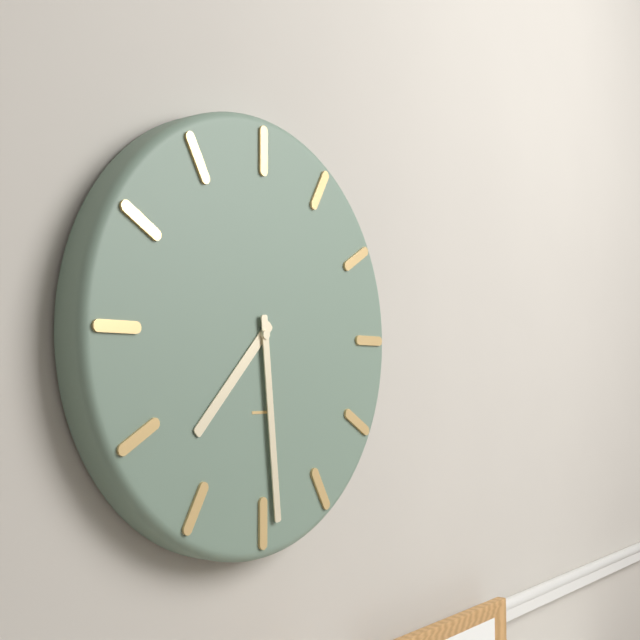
7,29
